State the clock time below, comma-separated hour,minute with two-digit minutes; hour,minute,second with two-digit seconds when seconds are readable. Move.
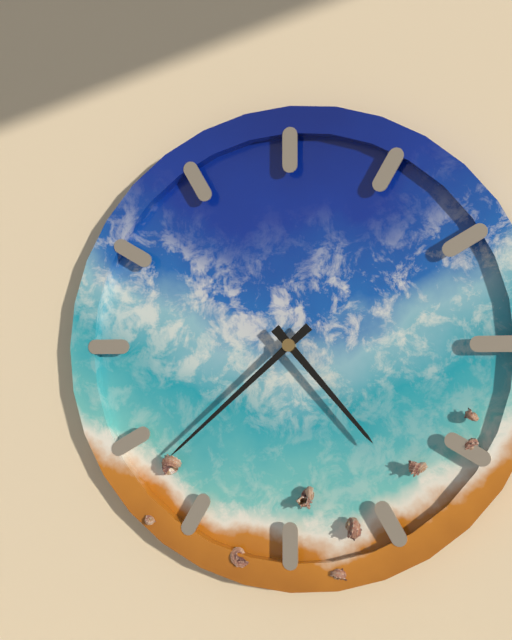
4,38
